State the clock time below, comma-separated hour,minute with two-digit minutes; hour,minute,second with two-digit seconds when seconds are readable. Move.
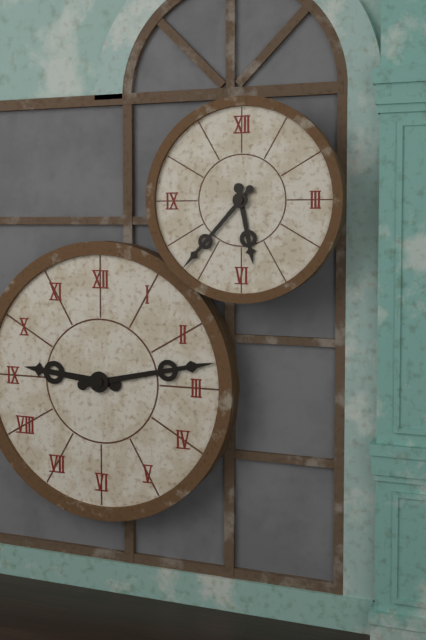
5,37
